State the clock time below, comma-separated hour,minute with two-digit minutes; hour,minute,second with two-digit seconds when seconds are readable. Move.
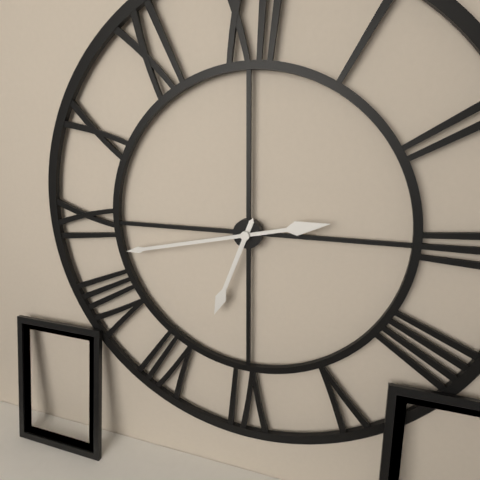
6,43
